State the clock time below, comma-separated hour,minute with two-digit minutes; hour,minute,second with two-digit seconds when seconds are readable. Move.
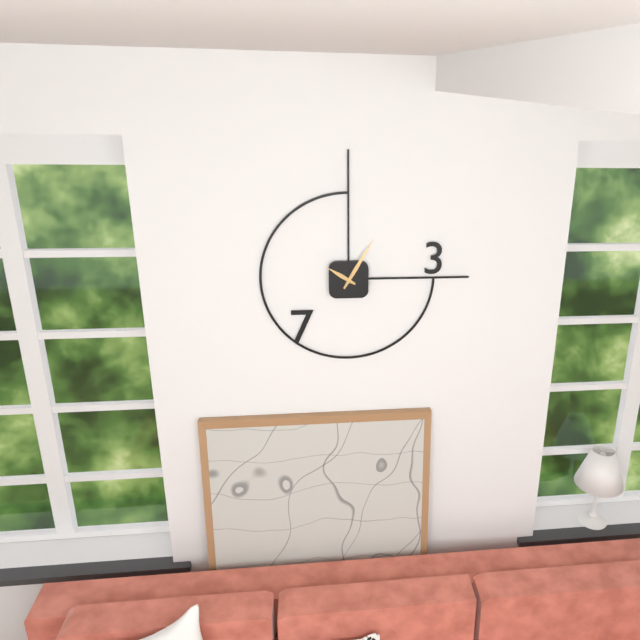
10,05
